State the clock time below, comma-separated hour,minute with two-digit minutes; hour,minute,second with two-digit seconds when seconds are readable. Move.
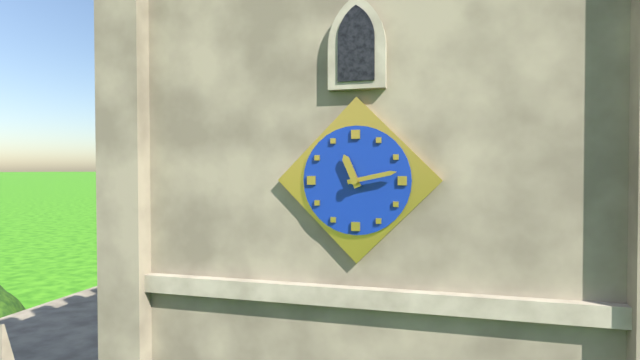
11,13
